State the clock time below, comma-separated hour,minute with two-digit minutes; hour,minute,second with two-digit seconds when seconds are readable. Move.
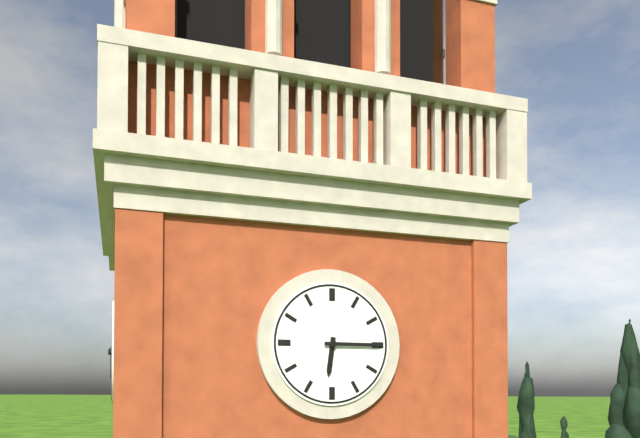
6,15
